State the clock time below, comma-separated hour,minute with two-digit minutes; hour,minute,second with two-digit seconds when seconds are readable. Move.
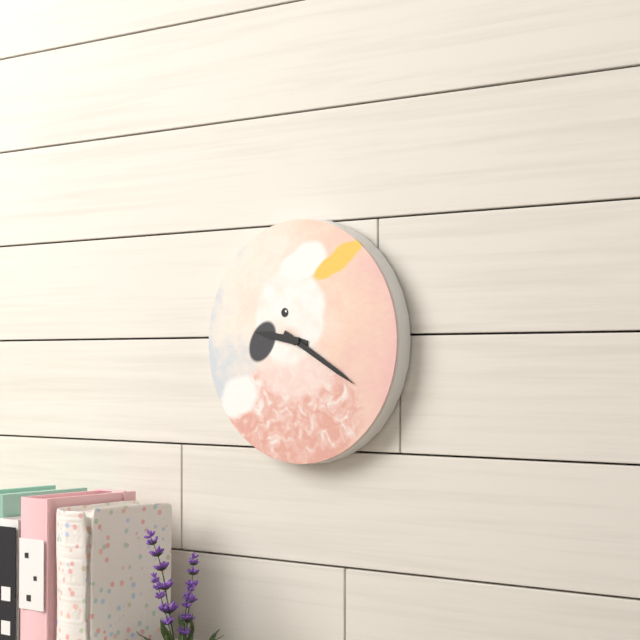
9,20
